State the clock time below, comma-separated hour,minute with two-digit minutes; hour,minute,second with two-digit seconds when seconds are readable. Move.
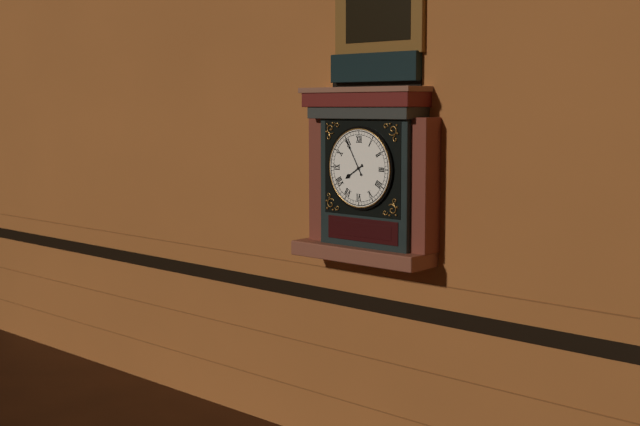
7,55
